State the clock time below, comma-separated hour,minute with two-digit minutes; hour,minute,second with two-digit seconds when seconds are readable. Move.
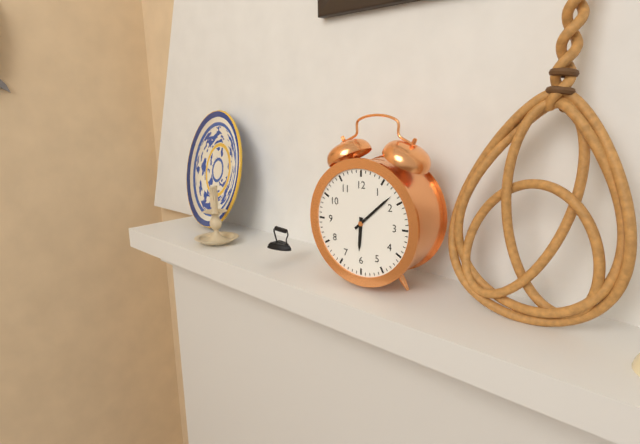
6,08
